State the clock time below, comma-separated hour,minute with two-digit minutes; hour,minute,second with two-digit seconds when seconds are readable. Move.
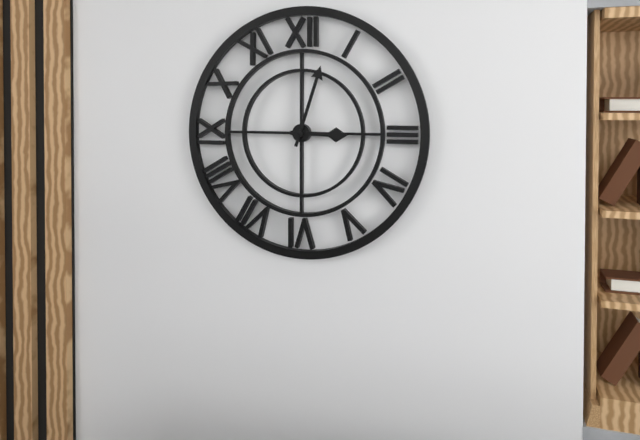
3,03
